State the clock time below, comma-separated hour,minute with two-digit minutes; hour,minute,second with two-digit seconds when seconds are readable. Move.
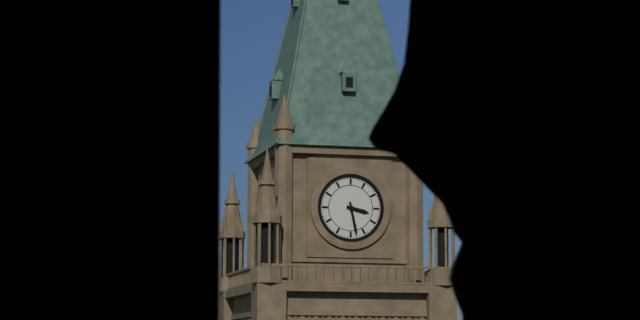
3,28
